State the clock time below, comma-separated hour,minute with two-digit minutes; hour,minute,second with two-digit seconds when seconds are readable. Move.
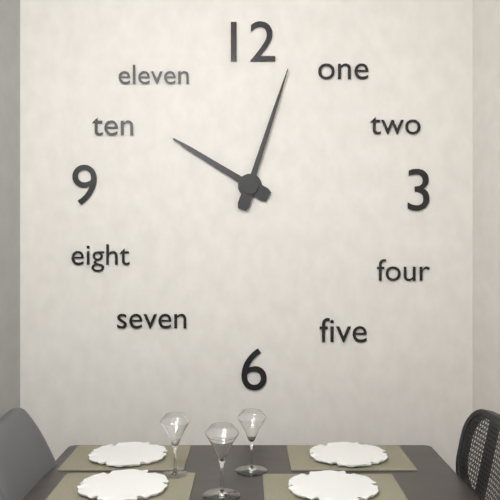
10,03
